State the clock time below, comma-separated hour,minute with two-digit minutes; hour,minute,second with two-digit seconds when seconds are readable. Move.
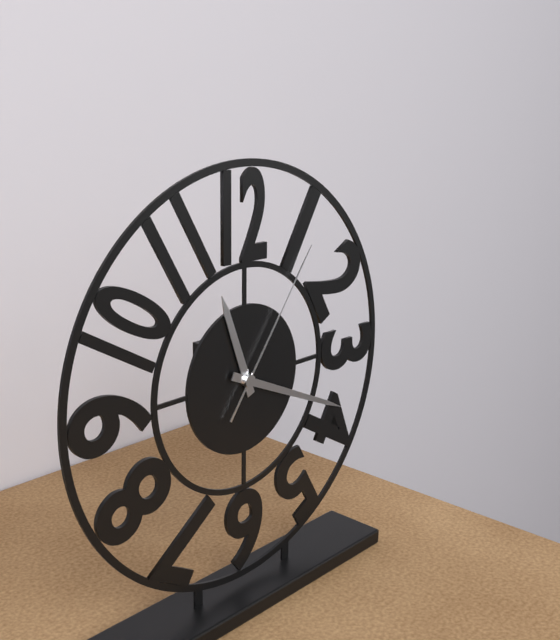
11,19,06
